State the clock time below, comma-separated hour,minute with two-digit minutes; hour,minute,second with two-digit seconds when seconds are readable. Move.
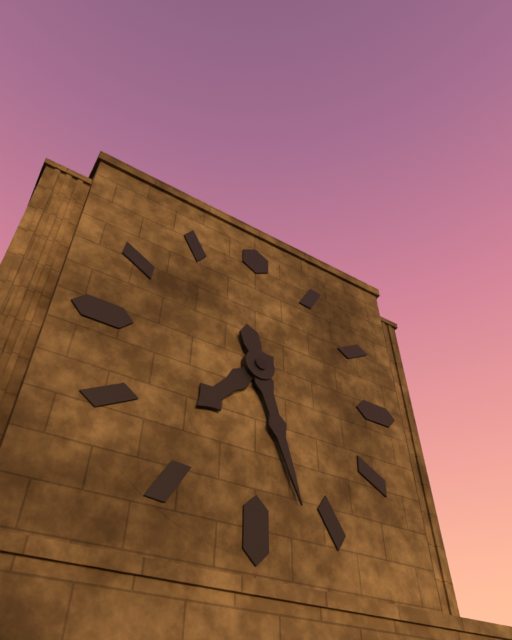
7,27
